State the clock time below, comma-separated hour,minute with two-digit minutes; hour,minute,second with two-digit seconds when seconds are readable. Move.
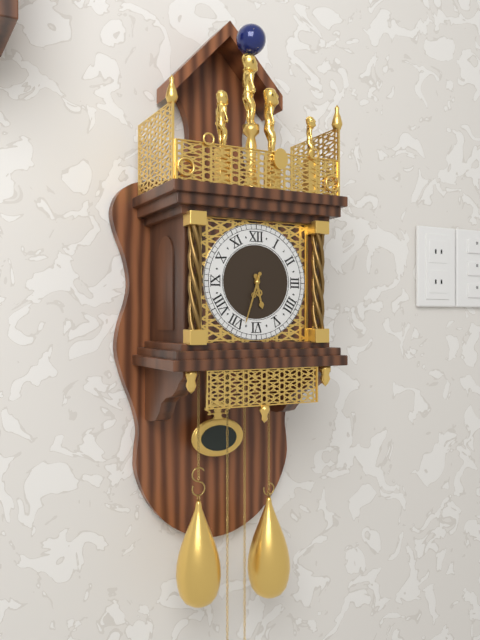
5,33
